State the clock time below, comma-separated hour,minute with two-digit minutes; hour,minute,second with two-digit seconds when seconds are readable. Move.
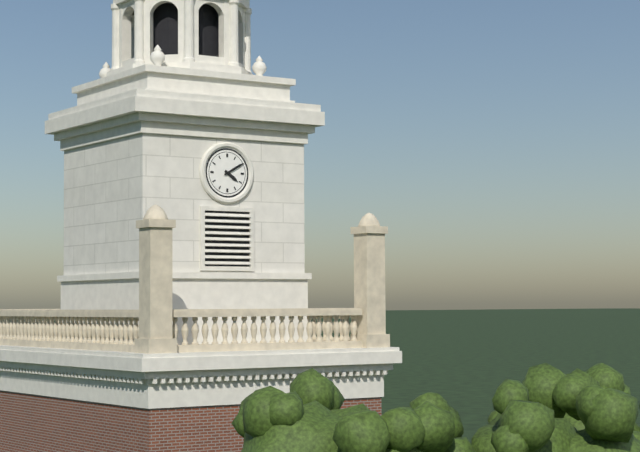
4,10
